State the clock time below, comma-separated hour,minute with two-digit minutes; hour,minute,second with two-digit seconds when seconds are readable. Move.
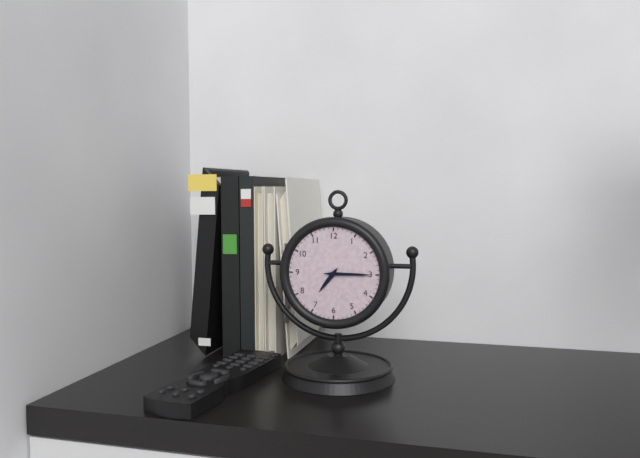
7,15
